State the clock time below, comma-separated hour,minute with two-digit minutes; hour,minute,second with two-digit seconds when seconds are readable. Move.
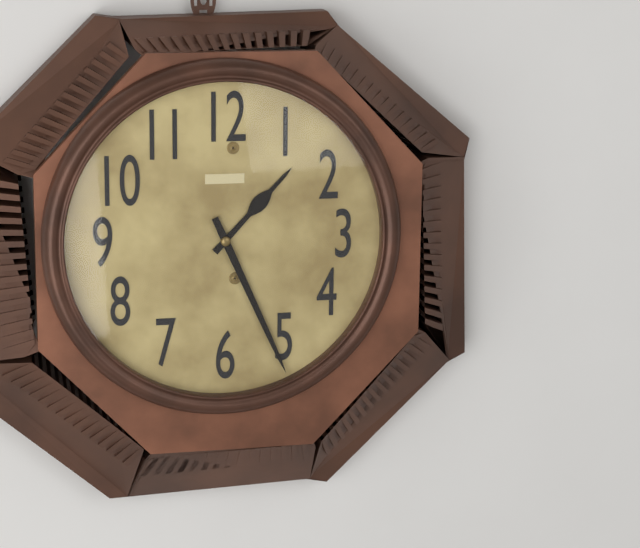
1,26
